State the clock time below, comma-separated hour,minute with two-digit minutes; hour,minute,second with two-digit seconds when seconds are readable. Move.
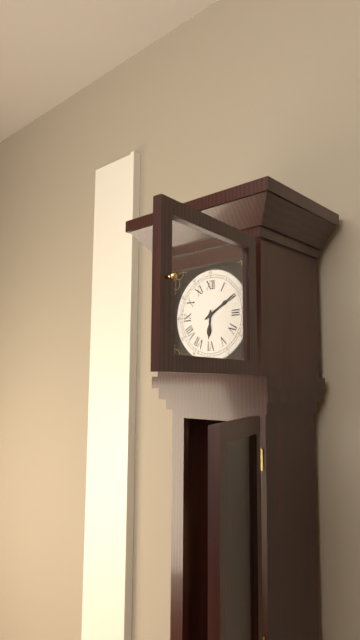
6,10
